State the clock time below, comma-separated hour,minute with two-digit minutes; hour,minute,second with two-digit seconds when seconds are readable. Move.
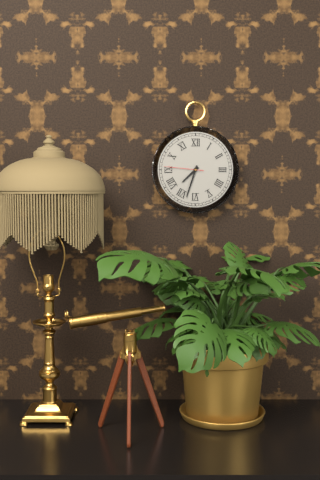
7,33
